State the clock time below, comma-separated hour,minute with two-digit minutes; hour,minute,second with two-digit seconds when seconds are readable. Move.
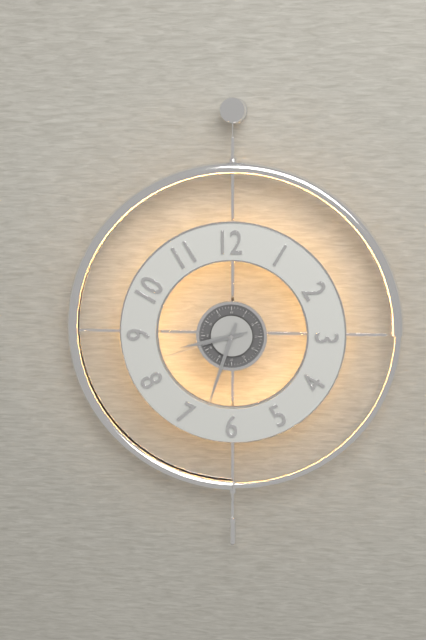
8,33,42
